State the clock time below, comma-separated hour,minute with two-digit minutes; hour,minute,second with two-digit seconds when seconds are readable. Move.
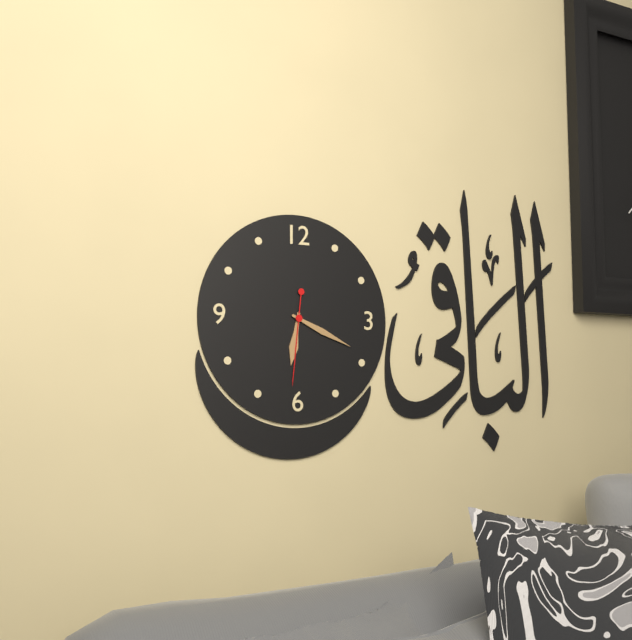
6,19,31
